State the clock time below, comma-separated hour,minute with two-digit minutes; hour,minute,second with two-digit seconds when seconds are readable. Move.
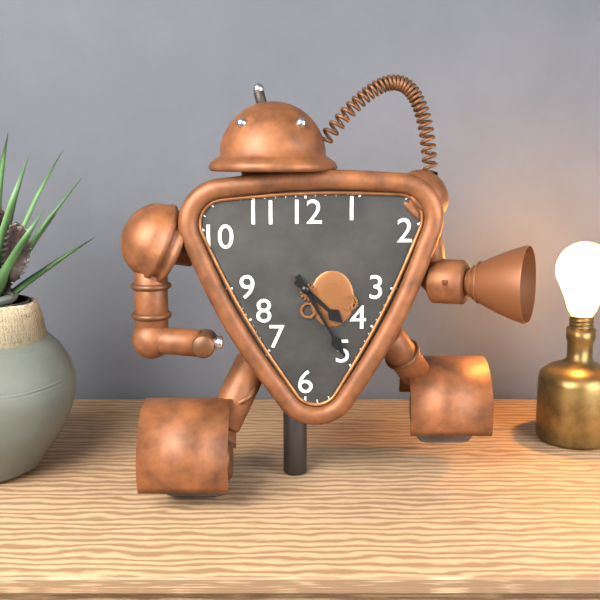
4,25
